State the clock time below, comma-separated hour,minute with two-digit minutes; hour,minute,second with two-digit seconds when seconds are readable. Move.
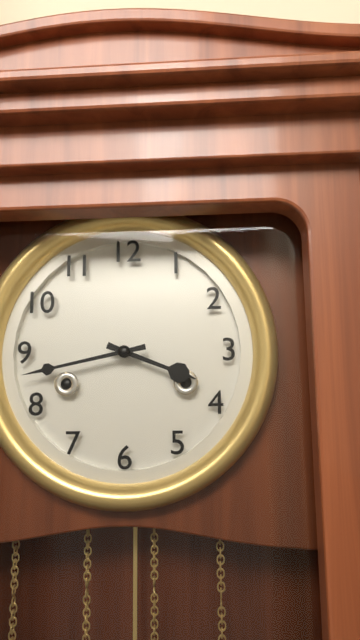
3,43
